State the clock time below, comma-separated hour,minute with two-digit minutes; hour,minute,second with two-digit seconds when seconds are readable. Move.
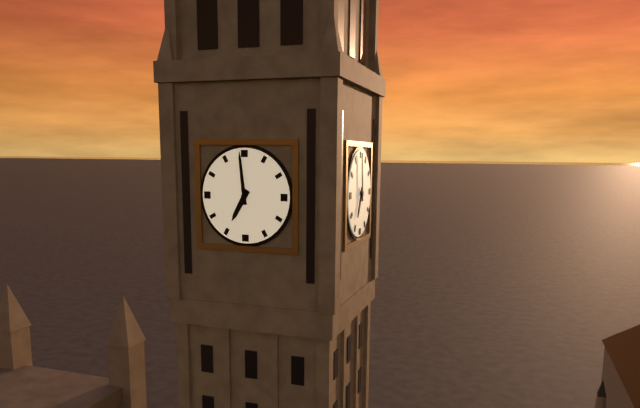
6,59
